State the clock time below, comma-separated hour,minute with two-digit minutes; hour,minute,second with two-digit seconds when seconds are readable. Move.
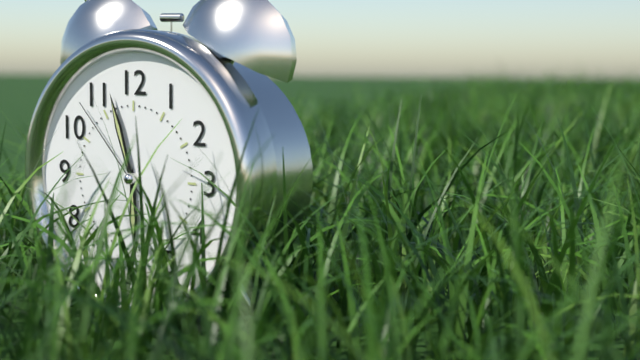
5,57,53
